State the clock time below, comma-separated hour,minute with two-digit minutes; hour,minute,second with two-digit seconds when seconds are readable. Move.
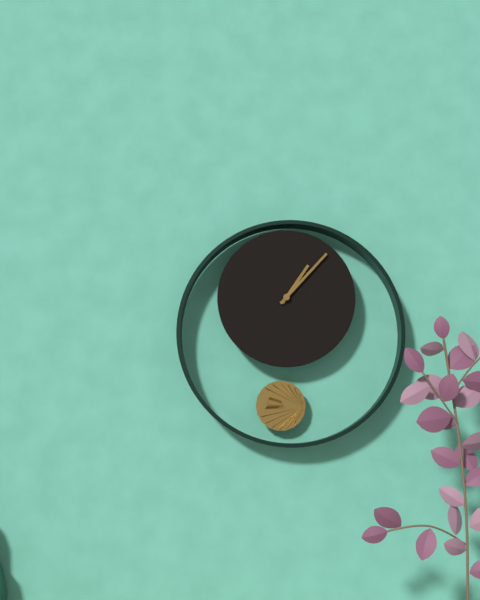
1,07
